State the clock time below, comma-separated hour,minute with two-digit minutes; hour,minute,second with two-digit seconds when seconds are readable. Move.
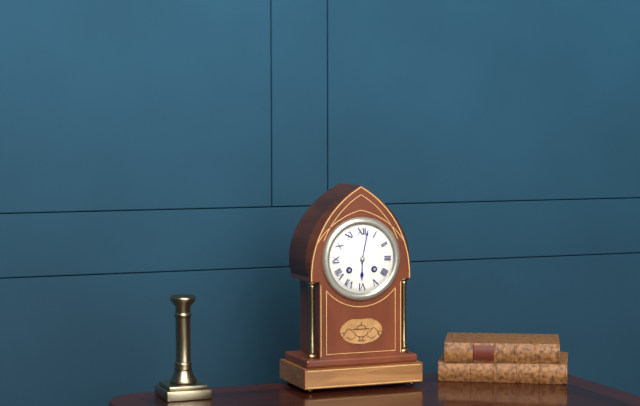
6,02
